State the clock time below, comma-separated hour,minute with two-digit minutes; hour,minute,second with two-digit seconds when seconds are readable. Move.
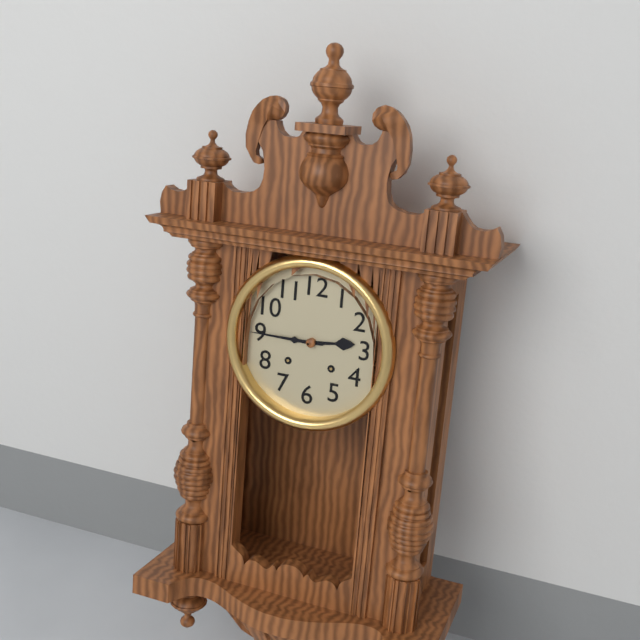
2,45
